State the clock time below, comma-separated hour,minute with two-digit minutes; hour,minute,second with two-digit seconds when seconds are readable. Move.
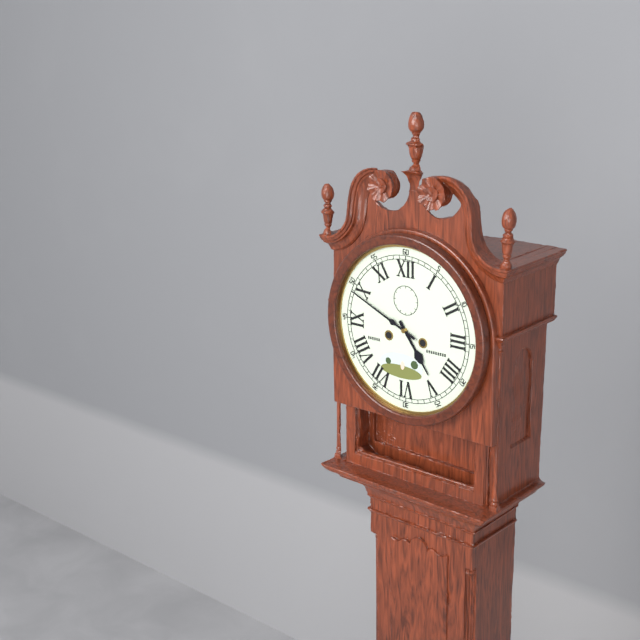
4,49
